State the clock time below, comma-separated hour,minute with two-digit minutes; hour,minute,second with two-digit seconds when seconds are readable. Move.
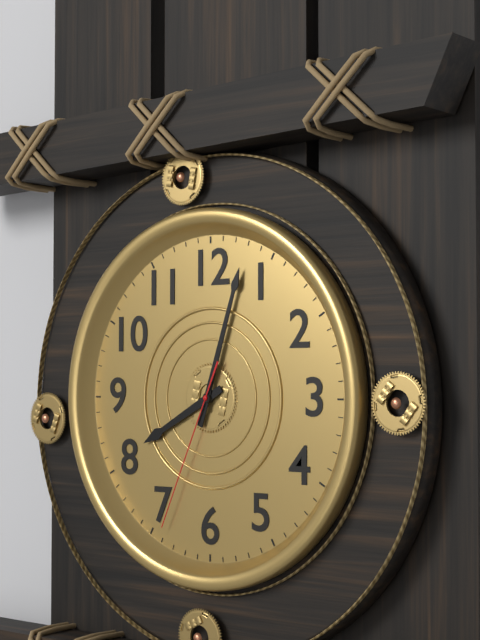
8,03,34
